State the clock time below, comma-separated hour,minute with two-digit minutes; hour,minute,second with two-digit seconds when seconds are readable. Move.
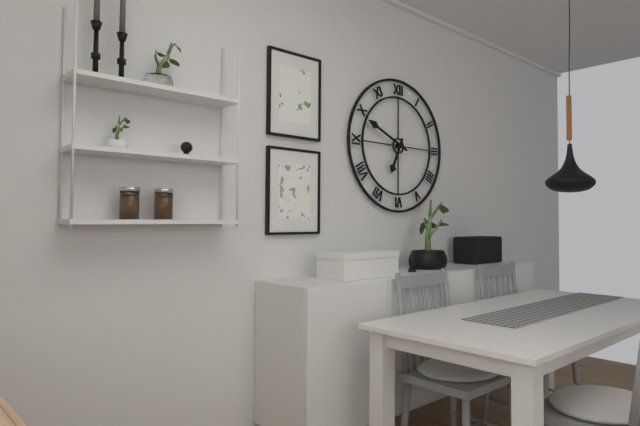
6,49
